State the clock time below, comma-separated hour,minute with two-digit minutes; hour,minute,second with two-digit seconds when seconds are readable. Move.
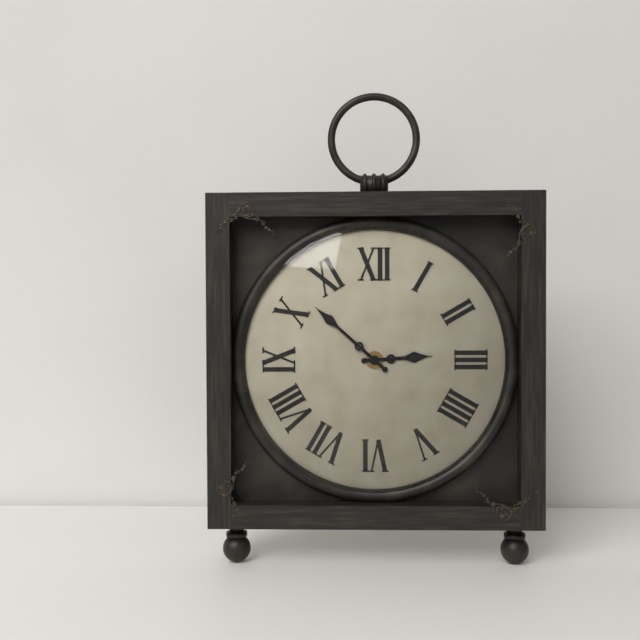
2,52
